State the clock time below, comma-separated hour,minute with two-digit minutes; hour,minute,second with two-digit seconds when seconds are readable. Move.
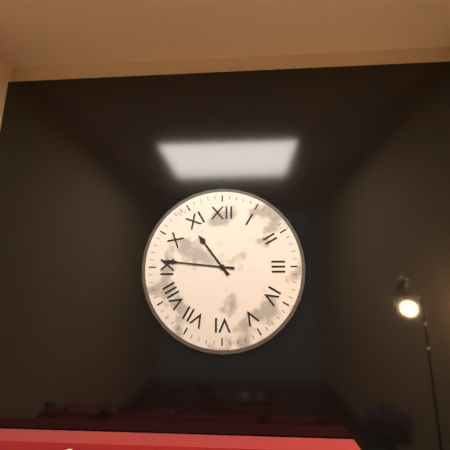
10,46
